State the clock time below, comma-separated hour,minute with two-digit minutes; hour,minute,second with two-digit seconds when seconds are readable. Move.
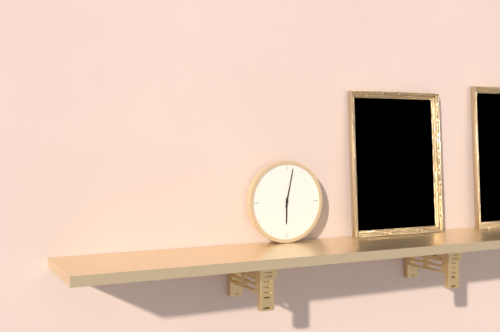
6,02
